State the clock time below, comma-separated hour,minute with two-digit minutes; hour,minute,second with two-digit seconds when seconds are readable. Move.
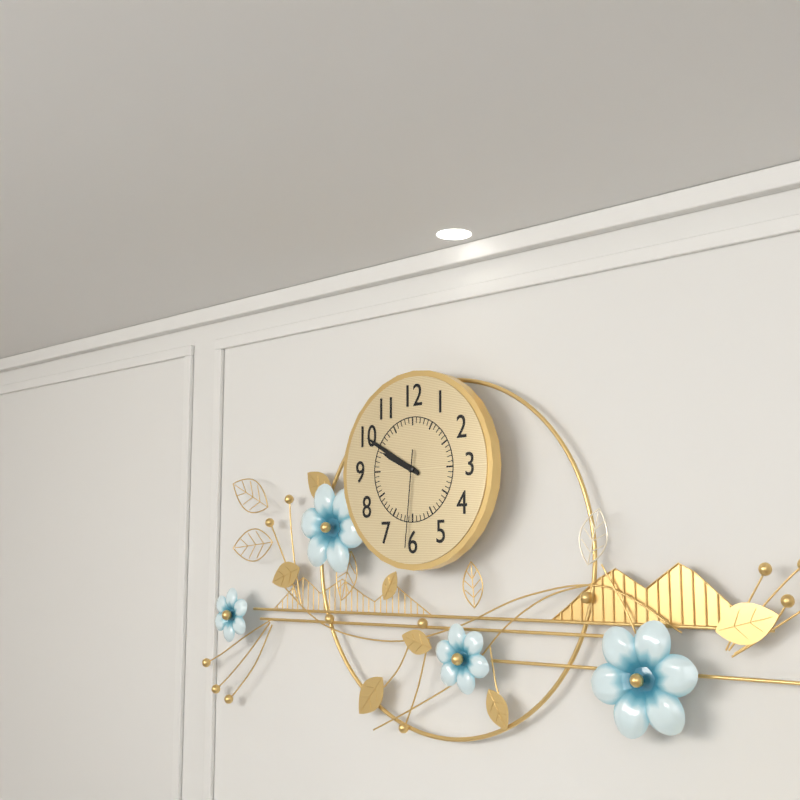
9,50,31
